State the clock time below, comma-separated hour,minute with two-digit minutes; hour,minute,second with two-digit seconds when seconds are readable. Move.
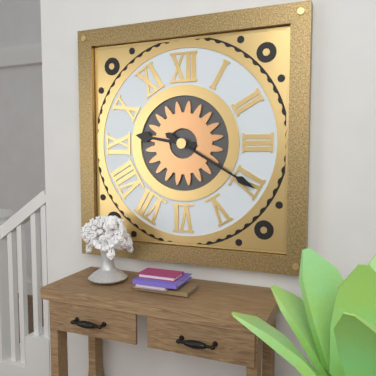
9,20
